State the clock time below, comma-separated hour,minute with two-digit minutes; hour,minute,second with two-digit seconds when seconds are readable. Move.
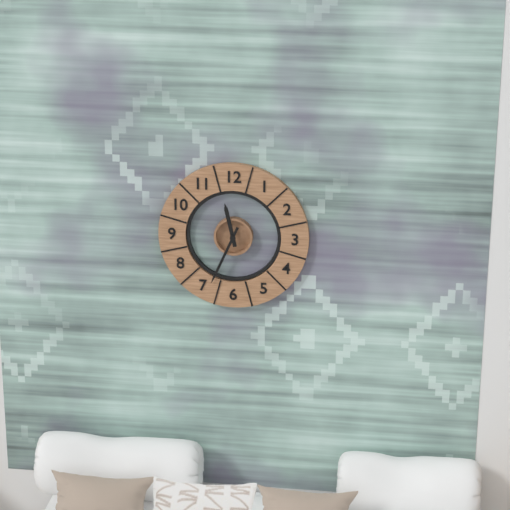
11,34
